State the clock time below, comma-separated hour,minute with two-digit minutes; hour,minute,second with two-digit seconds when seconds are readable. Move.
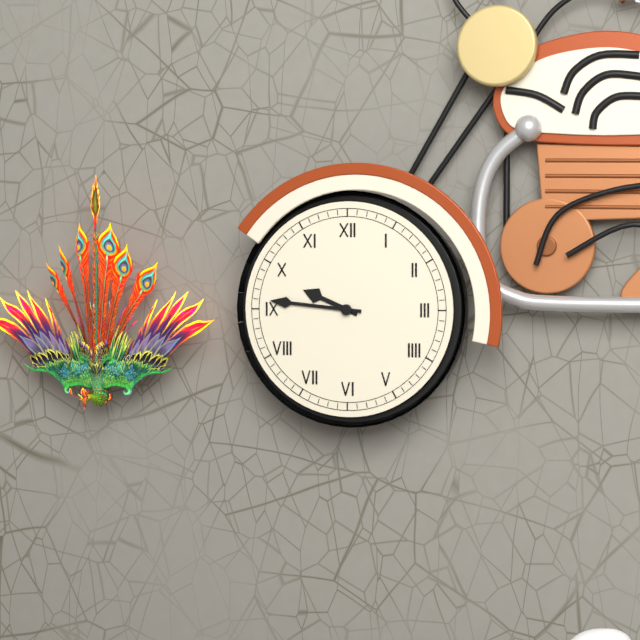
9,46
